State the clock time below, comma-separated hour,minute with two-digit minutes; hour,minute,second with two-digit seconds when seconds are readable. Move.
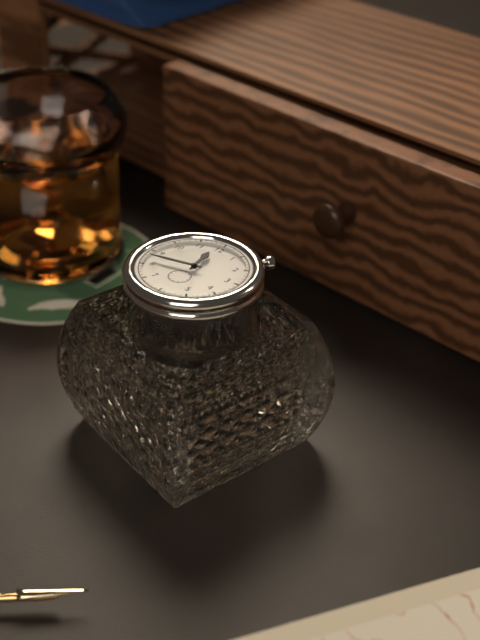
11,43
